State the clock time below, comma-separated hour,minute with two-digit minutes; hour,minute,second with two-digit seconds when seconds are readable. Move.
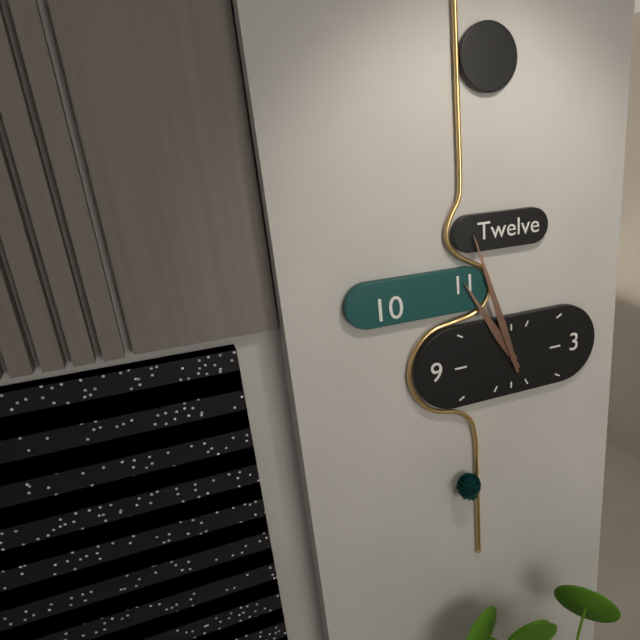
10,57
